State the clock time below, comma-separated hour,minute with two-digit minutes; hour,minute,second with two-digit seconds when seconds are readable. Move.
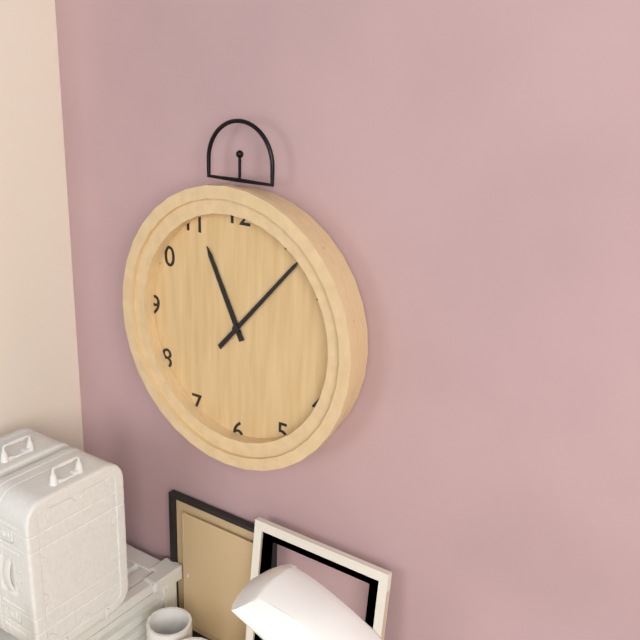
11,07
